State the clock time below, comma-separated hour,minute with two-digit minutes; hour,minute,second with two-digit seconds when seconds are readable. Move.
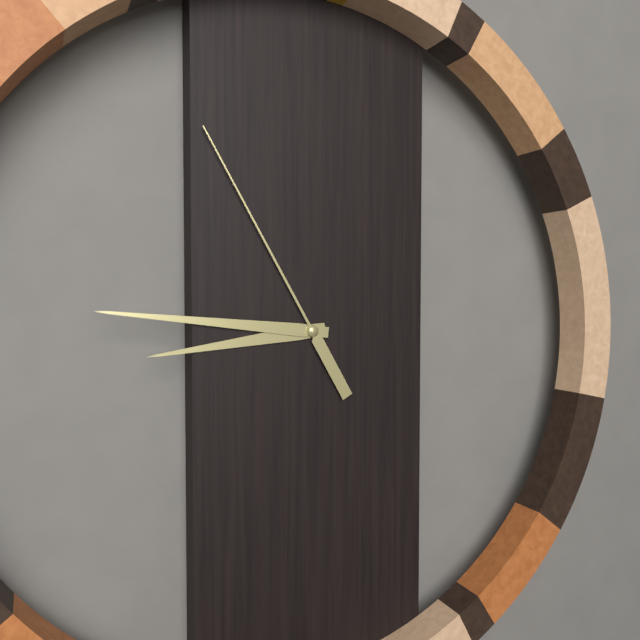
8,46,55
